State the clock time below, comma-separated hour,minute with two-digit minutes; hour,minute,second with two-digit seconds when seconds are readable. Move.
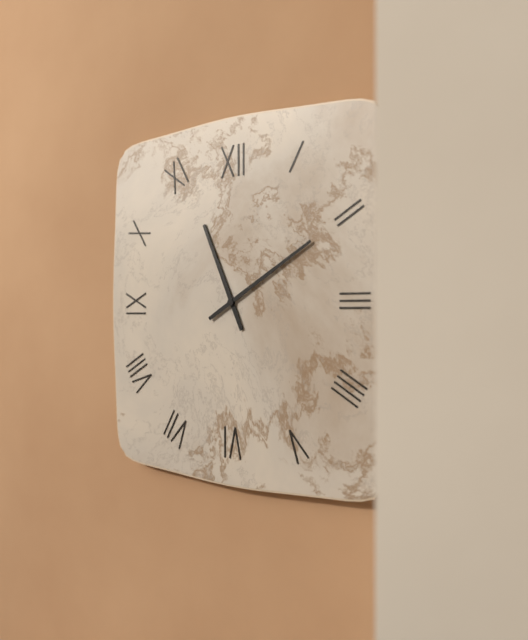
11,10
